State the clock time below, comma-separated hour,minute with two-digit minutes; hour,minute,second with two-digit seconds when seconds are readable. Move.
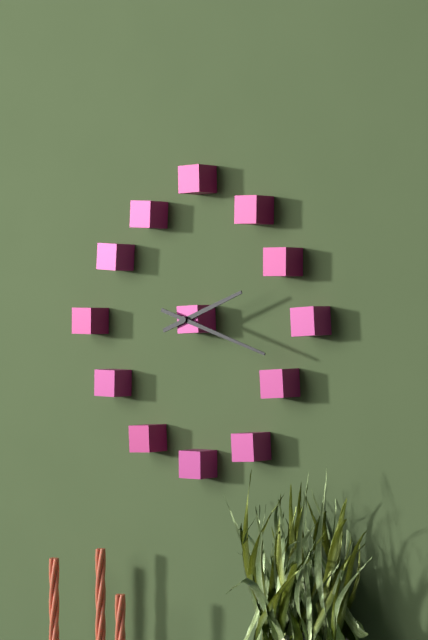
2,18
